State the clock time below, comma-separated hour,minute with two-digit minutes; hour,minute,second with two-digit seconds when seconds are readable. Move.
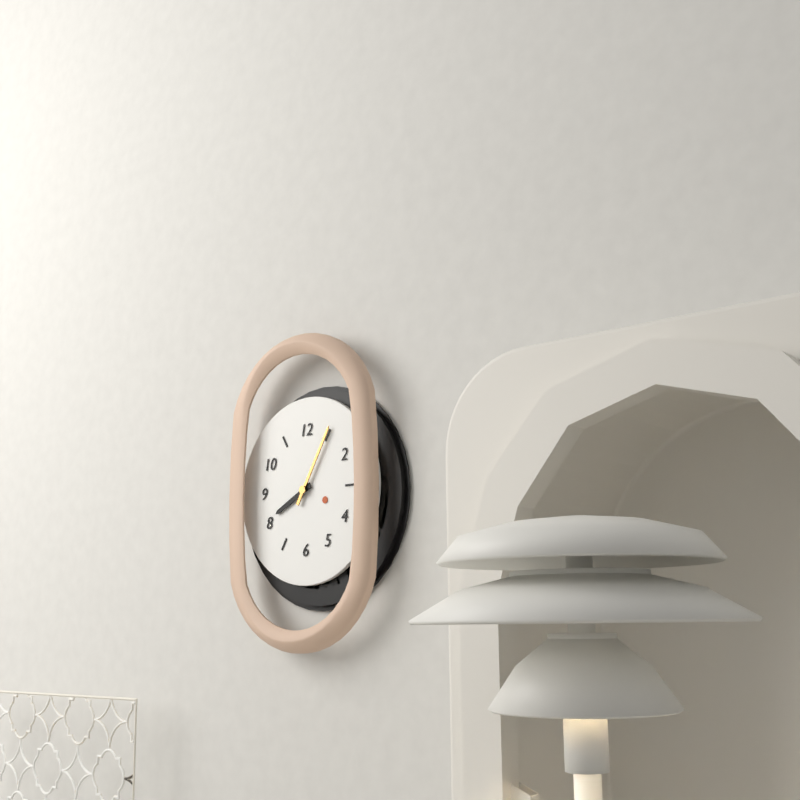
8,05
